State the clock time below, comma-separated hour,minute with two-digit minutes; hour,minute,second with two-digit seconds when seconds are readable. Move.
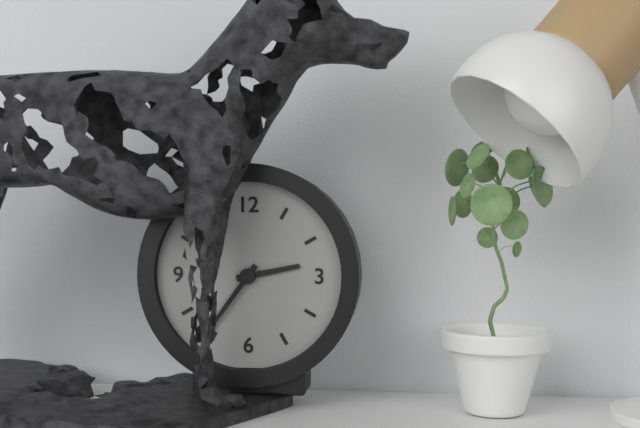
2,36
